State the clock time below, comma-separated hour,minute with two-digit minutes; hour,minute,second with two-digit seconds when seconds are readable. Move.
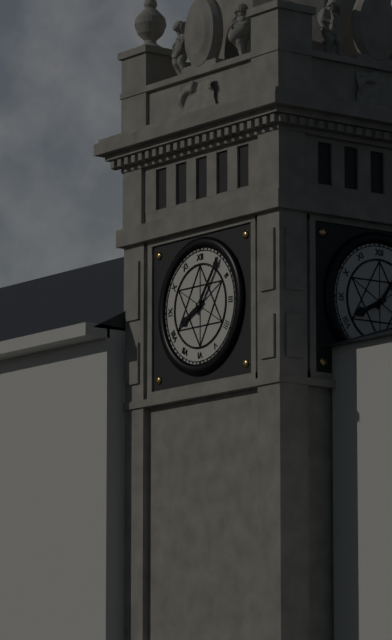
8,06
